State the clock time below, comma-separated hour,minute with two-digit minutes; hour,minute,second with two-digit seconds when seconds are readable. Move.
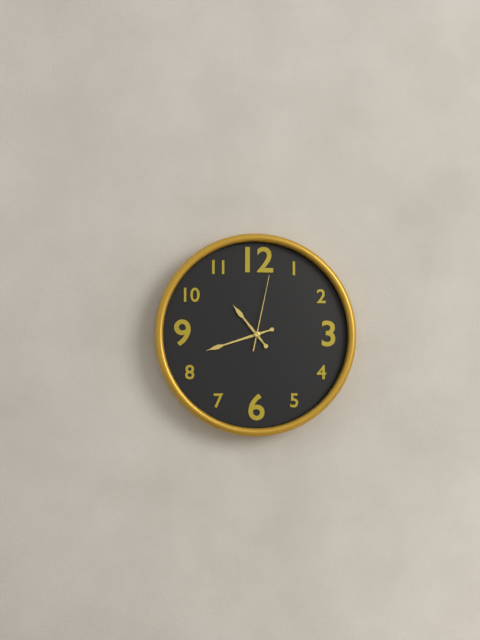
10,42,02
